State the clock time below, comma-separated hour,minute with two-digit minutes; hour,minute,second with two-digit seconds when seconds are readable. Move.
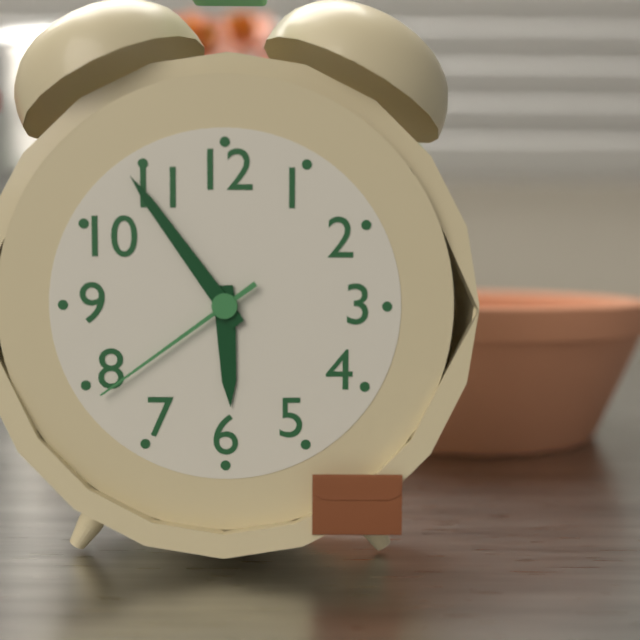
5,54,39
